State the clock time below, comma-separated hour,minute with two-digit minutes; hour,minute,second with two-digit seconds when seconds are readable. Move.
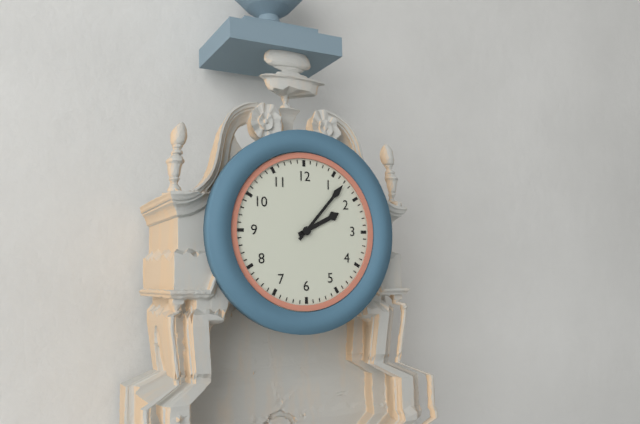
2,07
